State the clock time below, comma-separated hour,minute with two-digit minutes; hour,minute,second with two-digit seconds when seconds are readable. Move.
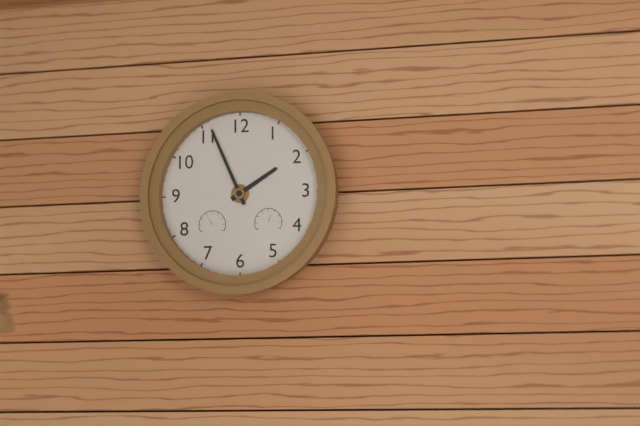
1,56
